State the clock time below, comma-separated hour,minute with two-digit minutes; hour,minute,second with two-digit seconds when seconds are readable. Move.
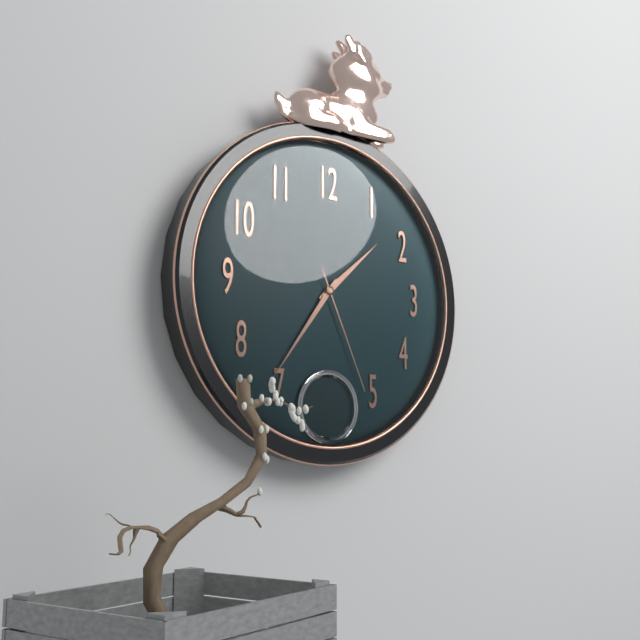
1,36,26
